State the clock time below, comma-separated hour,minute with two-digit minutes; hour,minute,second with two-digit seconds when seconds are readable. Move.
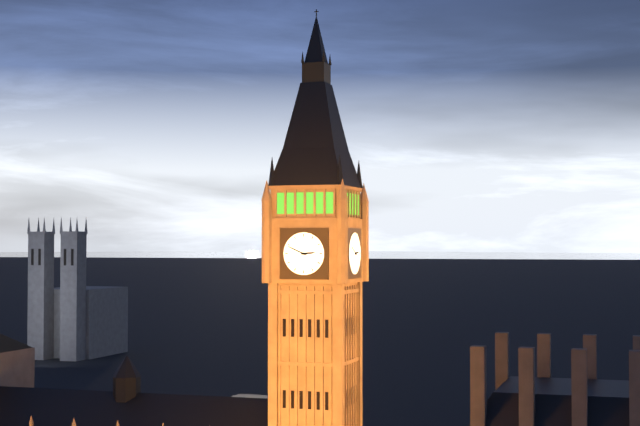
2,49
